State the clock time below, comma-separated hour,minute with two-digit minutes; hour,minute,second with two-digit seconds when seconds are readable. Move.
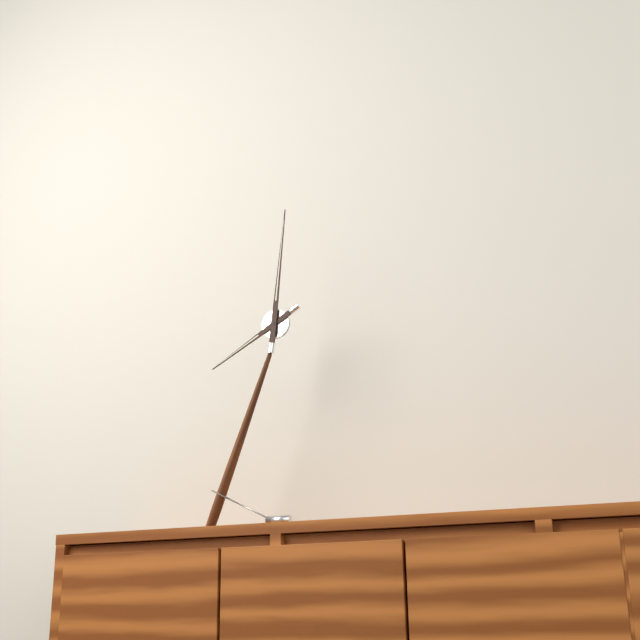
8,01
